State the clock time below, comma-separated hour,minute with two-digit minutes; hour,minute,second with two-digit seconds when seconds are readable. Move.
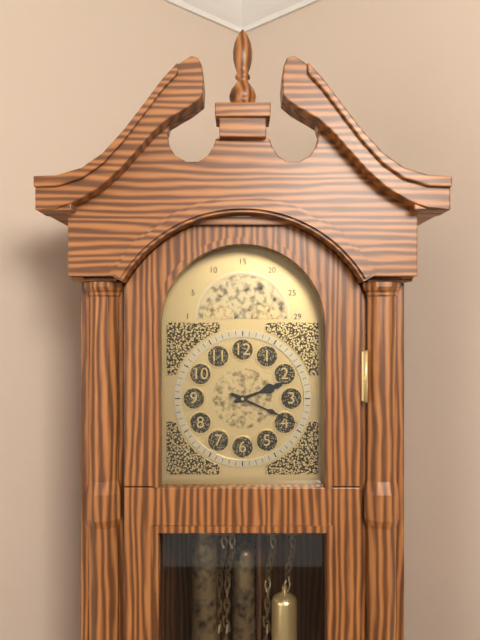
2,19
